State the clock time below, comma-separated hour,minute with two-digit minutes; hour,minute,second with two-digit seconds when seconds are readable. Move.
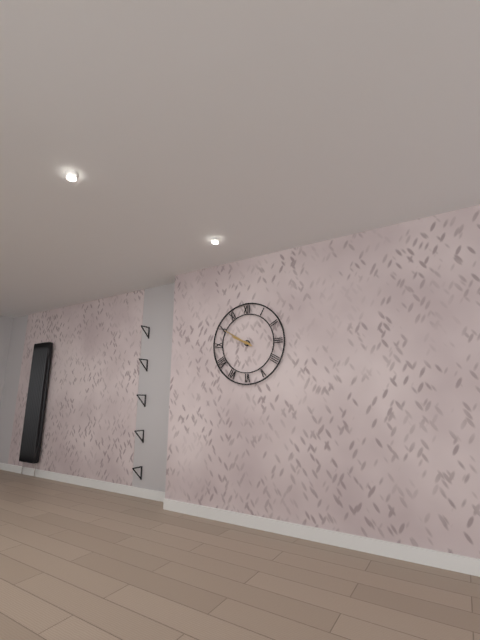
9,50
